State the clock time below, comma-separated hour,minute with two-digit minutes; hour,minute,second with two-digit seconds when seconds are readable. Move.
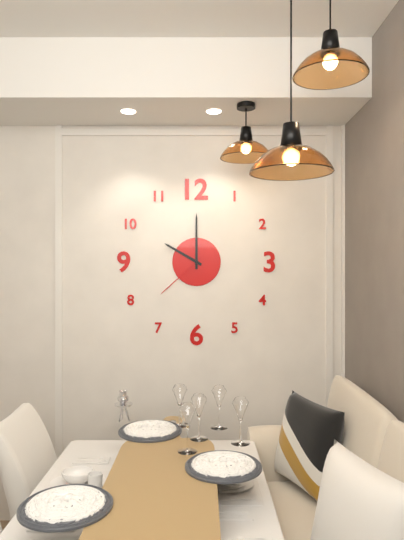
10,00,38
